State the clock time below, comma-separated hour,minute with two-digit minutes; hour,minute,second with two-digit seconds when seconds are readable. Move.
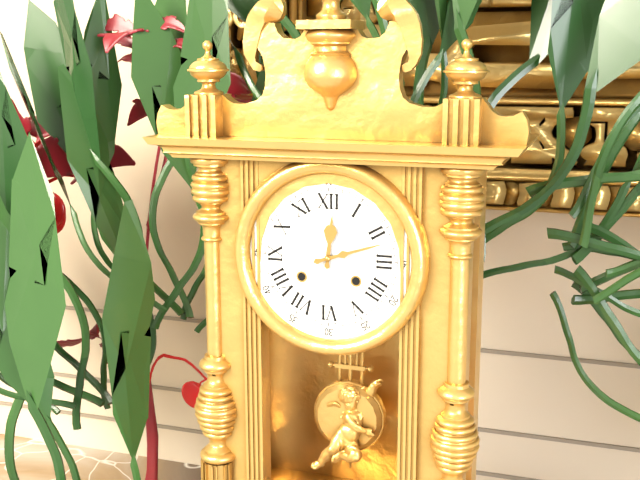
12,12
